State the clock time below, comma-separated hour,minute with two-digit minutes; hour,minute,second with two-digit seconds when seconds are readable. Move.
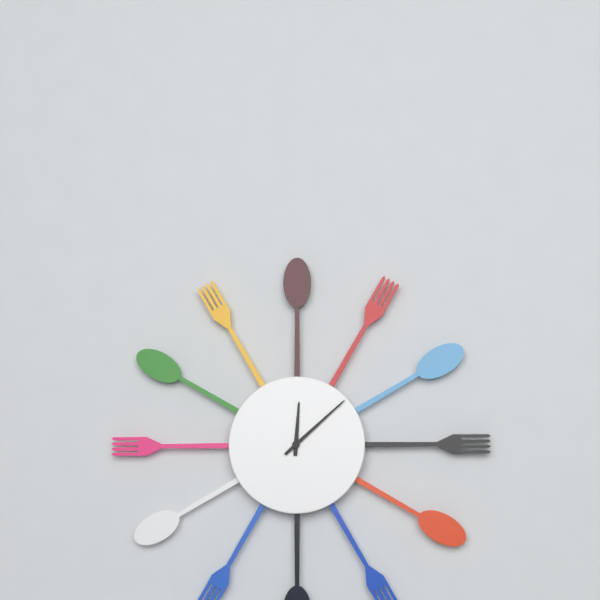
12,08
